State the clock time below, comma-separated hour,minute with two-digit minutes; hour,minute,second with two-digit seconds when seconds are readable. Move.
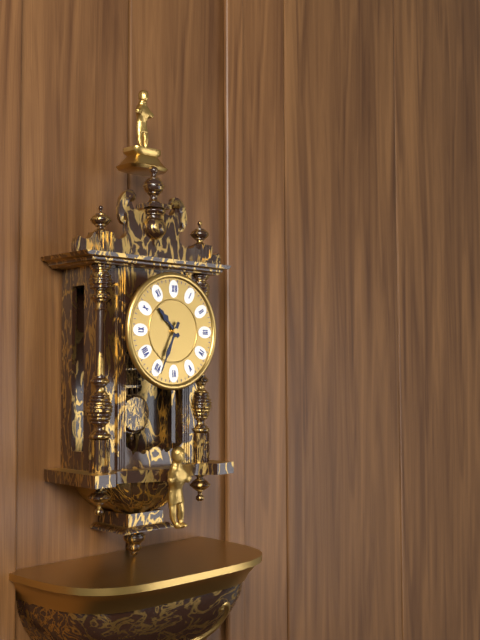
10,34
